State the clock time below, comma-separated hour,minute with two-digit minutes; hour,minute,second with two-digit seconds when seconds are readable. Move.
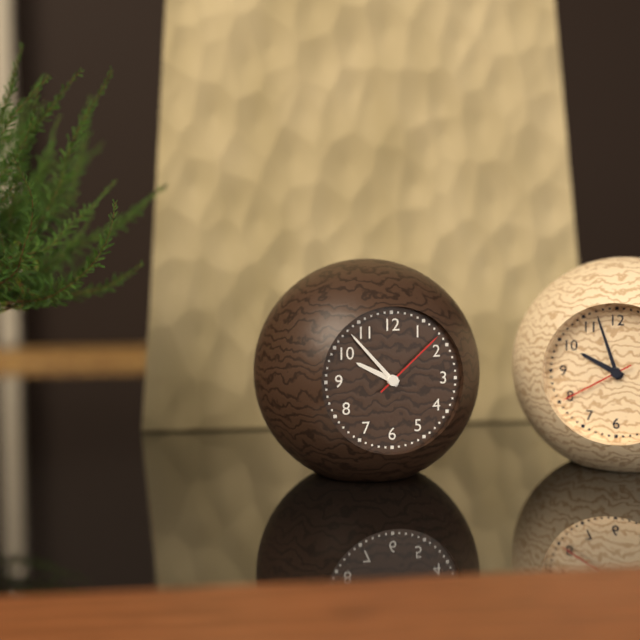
9,53,08
